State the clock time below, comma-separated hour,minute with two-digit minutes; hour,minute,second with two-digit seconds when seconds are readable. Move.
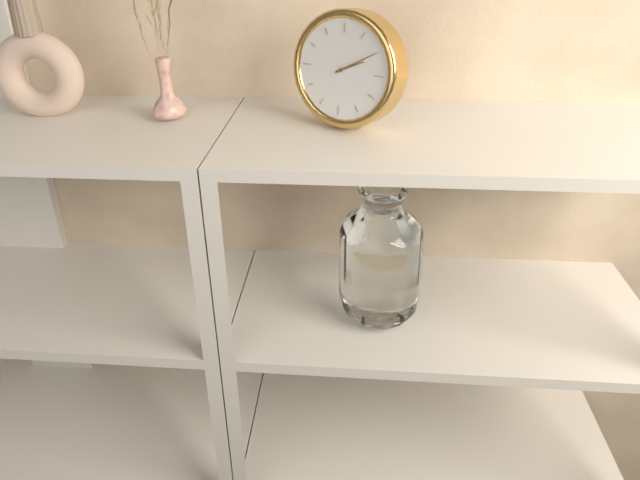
2,10
